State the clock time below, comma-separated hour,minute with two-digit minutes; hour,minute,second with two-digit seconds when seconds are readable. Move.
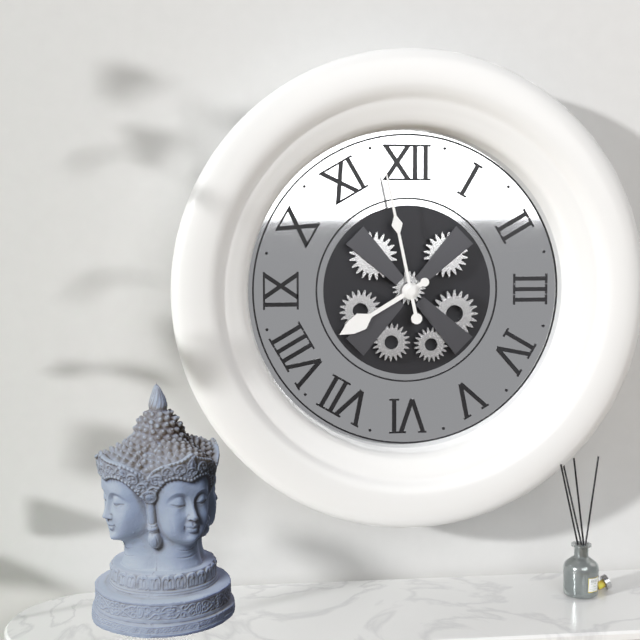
7,58
